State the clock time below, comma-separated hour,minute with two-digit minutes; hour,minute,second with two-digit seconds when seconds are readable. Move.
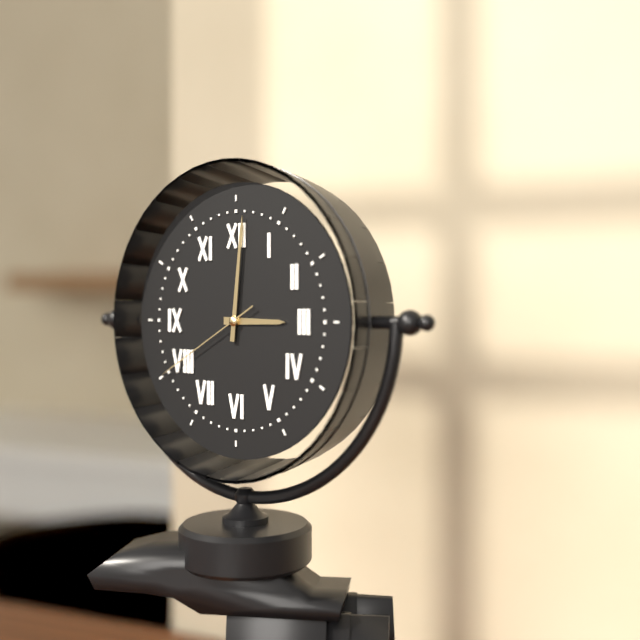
3,01,40
